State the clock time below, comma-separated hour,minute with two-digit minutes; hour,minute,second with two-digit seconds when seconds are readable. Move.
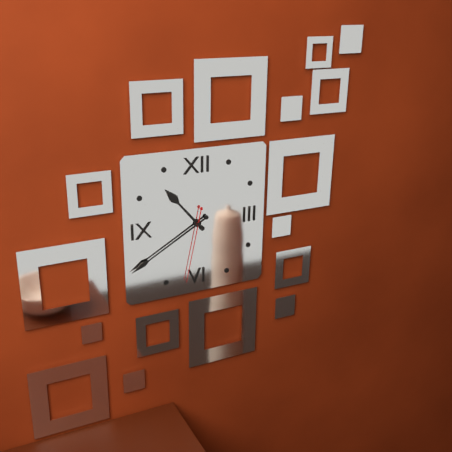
10,40,32
